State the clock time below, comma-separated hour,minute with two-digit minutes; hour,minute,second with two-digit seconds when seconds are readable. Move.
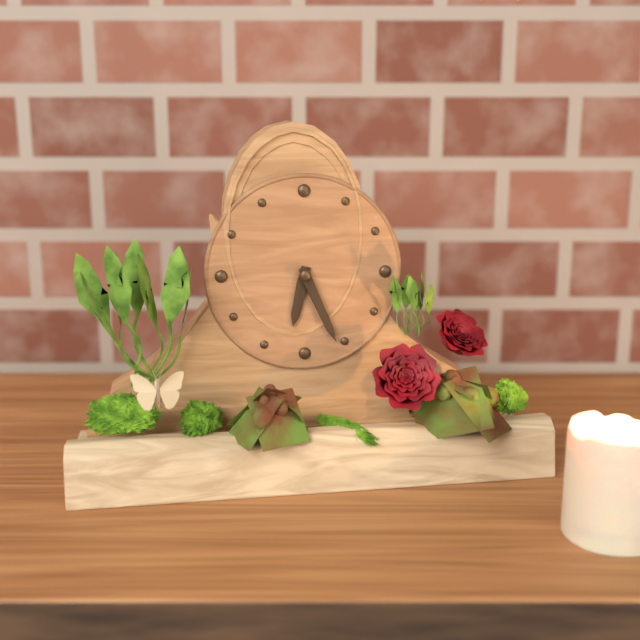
6,26
